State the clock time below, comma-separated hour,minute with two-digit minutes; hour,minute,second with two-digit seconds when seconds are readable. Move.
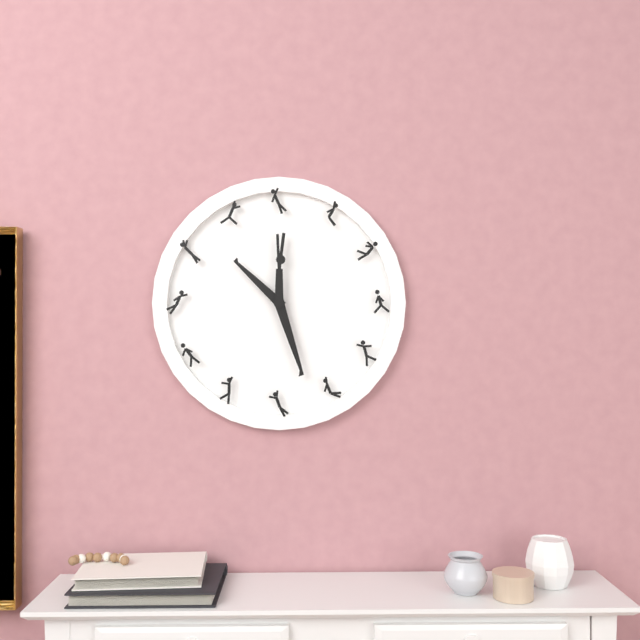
10,27
